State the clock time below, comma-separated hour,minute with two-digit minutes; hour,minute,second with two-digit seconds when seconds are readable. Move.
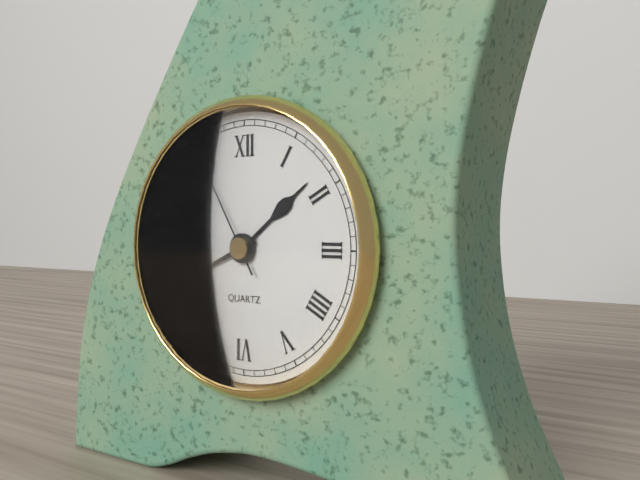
1,41,55
